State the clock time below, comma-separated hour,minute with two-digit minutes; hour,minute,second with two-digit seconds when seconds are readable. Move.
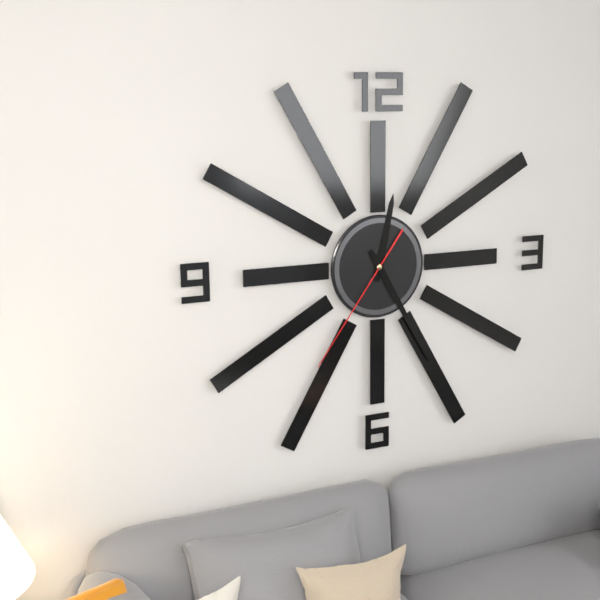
12,25,36
